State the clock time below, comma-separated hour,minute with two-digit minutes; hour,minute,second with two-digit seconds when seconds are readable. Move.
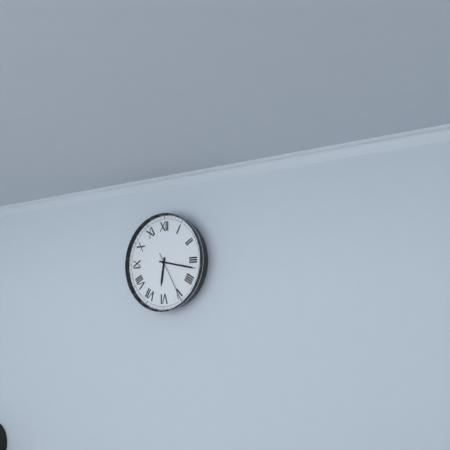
6,17,25
